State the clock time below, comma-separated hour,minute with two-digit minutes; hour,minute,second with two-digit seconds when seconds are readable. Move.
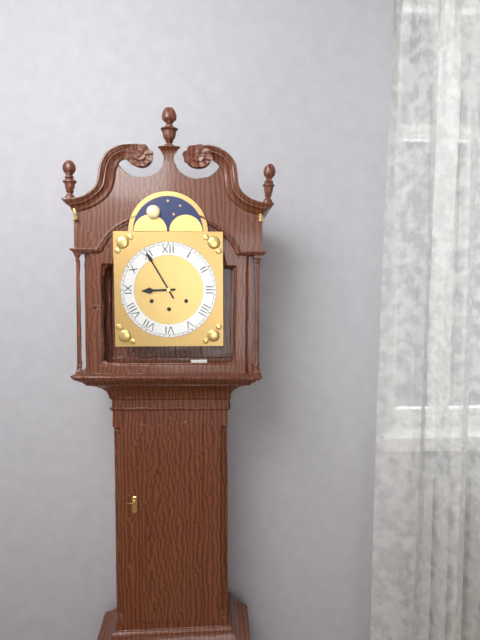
8,55
